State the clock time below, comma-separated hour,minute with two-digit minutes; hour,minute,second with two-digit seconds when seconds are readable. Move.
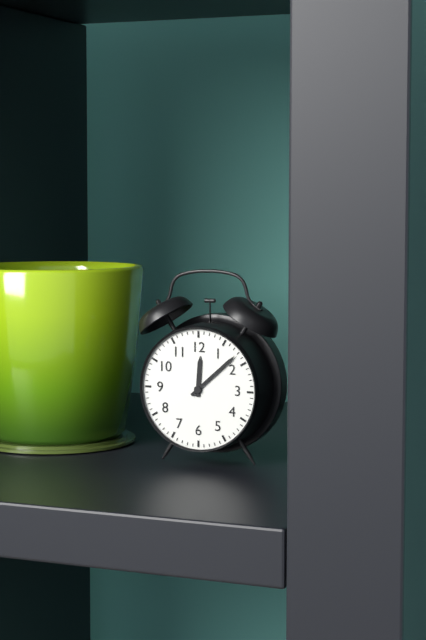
12,08
